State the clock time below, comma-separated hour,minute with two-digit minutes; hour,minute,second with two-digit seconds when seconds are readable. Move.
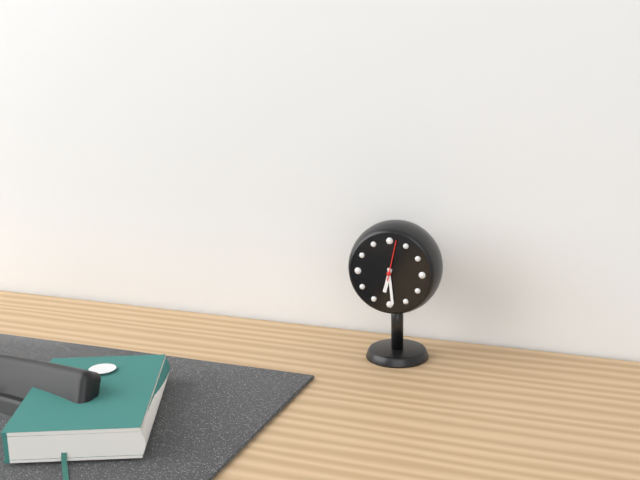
6,29
